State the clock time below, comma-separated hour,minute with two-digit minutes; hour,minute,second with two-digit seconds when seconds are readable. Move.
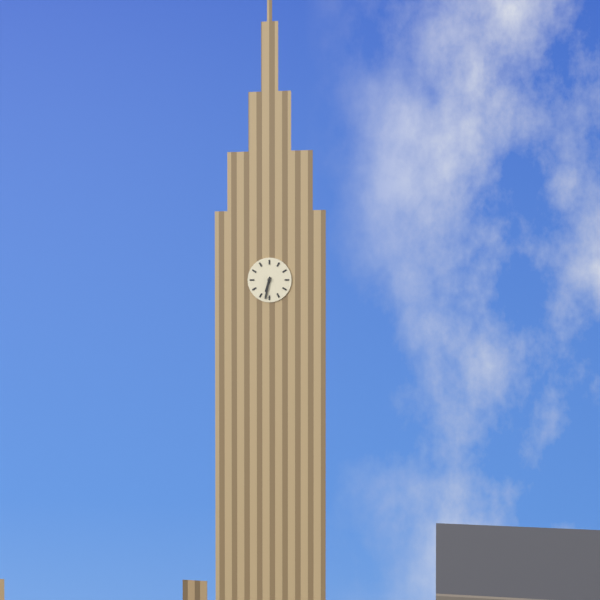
6,32
